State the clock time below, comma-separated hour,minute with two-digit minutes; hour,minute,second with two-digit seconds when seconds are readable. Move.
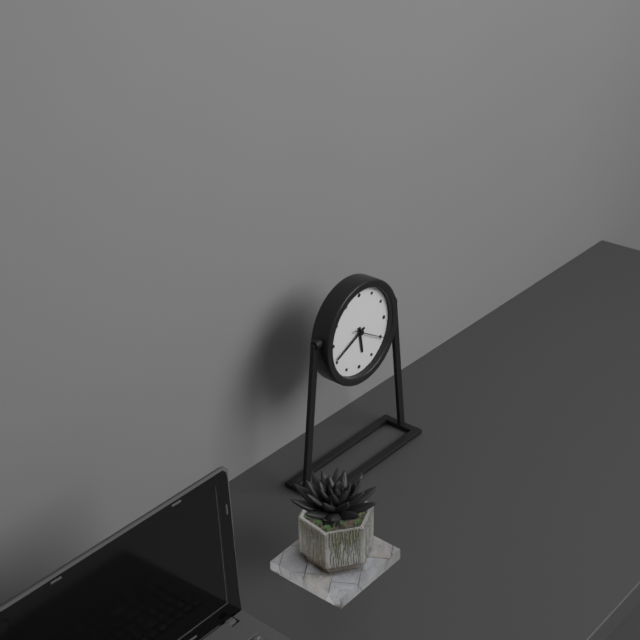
5,41
